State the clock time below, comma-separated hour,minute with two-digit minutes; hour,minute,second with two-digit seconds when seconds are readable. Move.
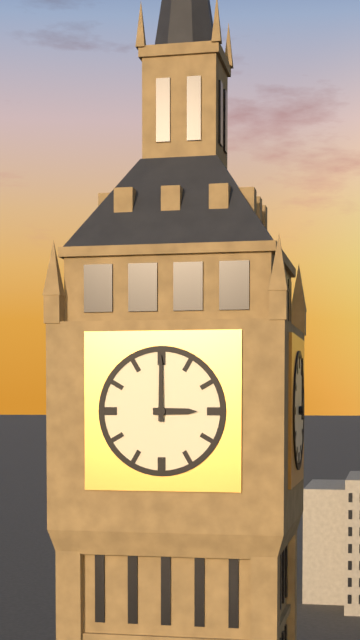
3,00
